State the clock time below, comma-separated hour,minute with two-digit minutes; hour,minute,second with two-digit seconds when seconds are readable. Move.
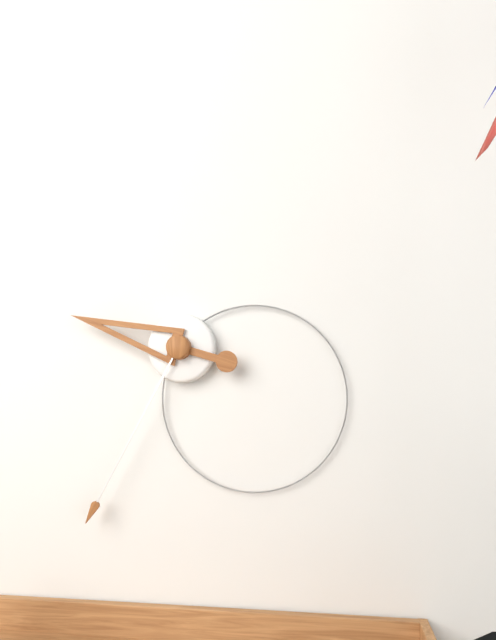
9,35
